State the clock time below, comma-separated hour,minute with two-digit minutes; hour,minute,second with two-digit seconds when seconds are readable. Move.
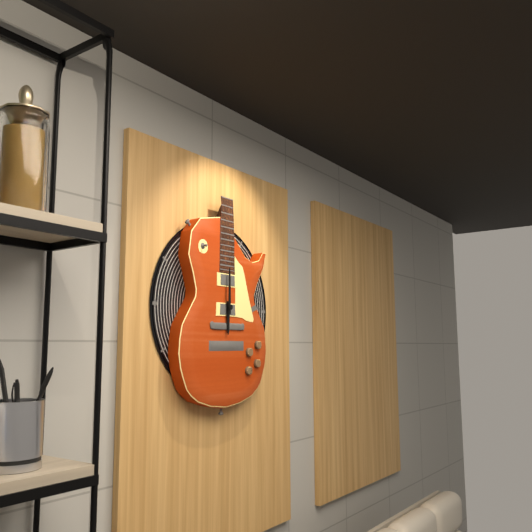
6,00
